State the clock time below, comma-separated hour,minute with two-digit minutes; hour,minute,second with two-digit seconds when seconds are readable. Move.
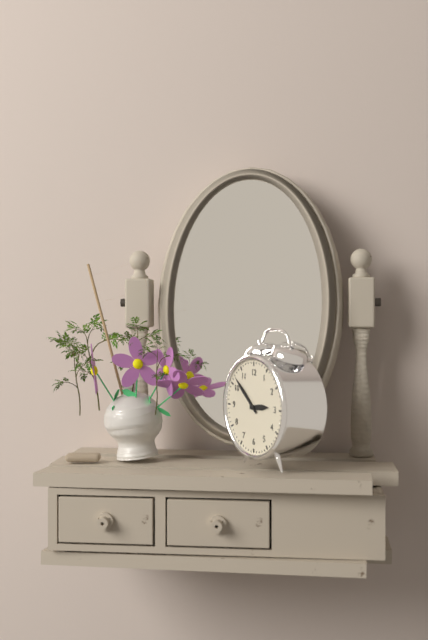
2,52
